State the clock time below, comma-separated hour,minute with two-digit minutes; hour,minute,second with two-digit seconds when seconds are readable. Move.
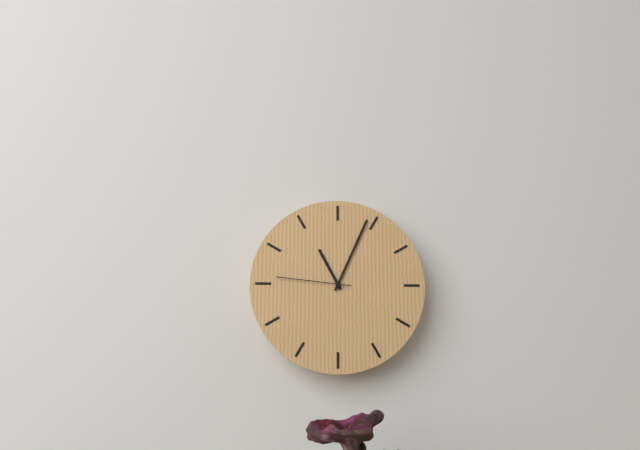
11,04,46
